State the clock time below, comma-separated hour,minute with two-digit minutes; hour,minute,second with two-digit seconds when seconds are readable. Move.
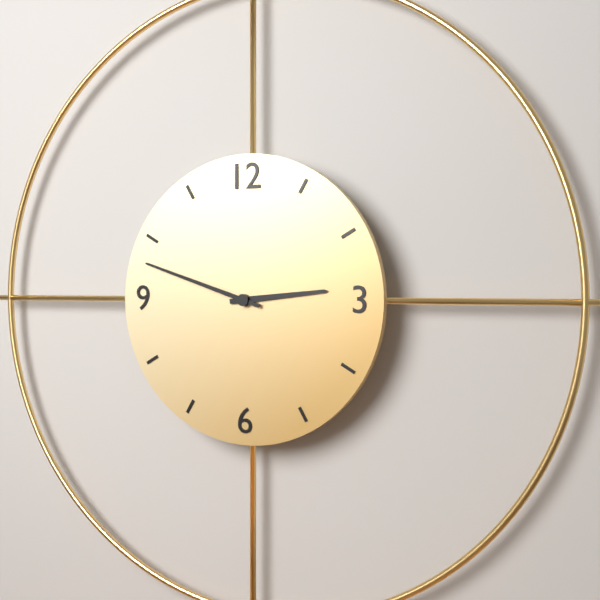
2,48
